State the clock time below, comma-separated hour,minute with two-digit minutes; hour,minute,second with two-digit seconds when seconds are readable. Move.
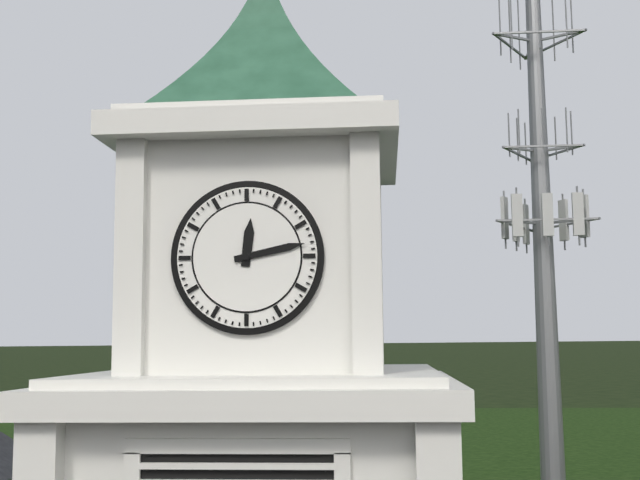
12,13
